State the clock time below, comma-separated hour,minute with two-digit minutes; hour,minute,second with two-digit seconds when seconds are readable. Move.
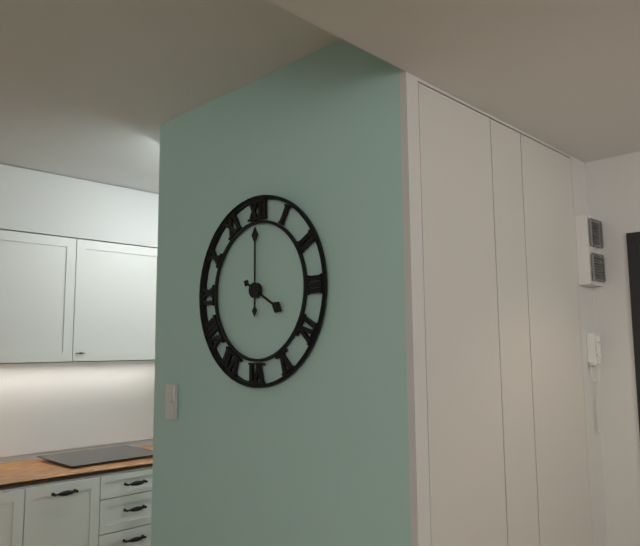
4,00
